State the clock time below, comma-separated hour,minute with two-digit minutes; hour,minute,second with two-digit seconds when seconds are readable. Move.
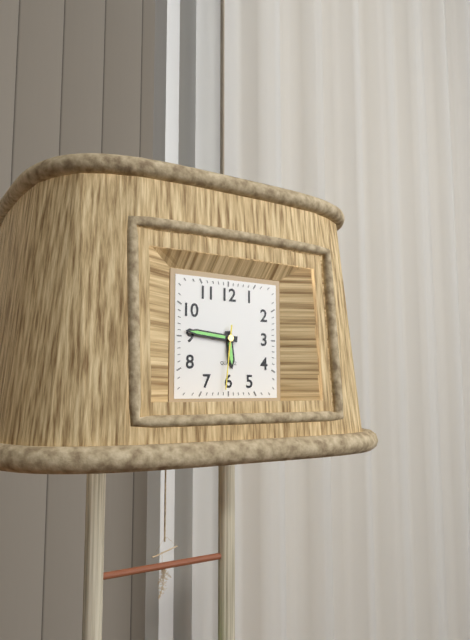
5,46,31
